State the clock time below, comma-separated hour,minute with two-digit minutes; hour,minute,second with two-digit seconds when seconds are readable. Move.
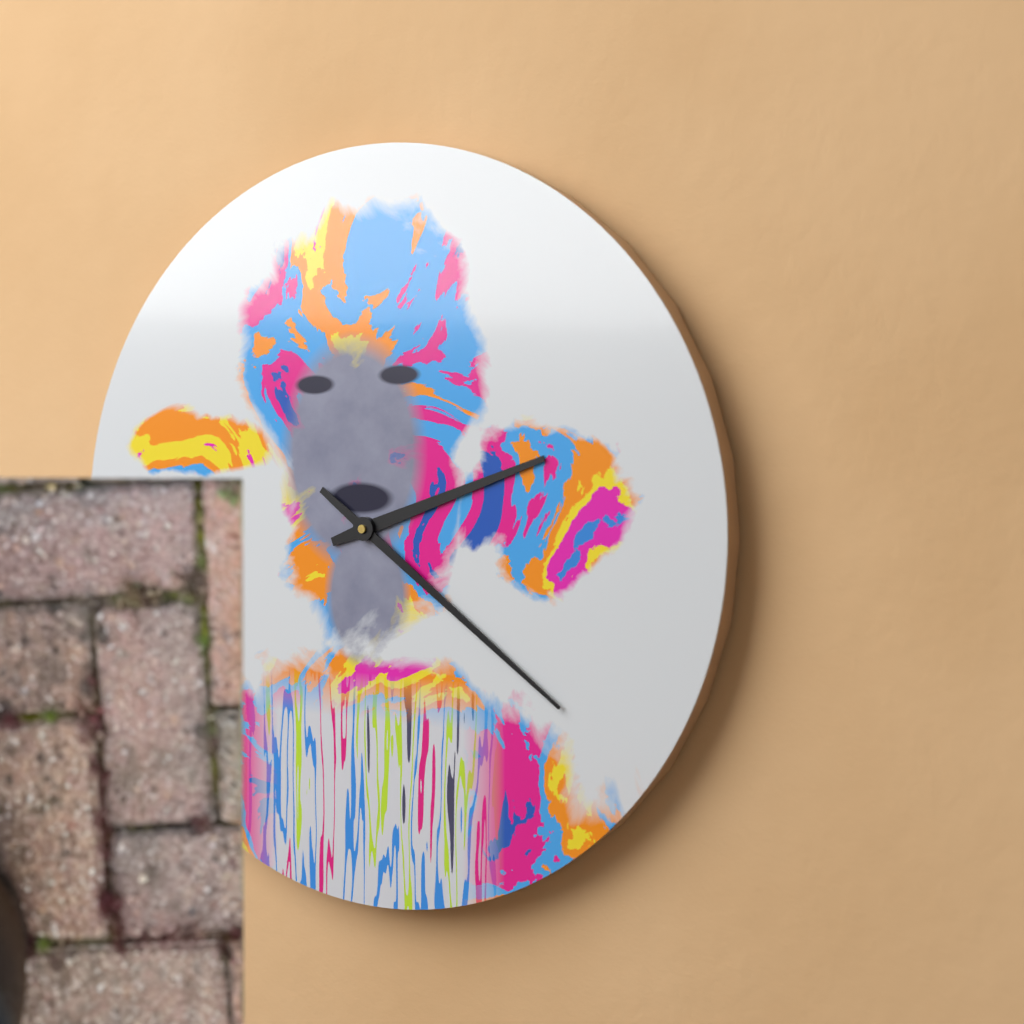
2,21
